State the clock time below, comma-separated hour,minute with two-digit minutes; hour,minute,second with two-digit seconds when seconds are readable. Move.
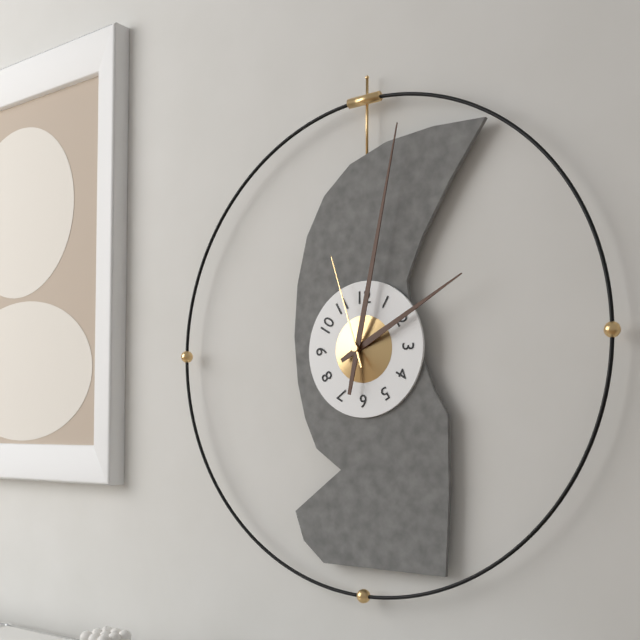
2,02,57
